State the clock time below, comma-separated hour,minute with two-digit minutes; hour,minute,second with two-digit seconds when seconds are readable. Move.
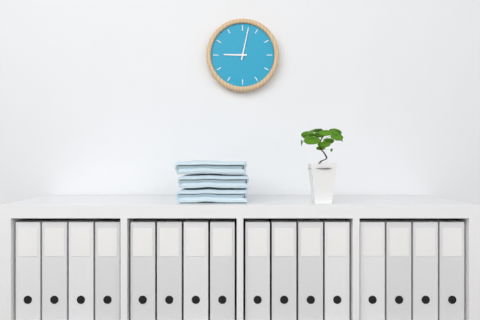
9,02
